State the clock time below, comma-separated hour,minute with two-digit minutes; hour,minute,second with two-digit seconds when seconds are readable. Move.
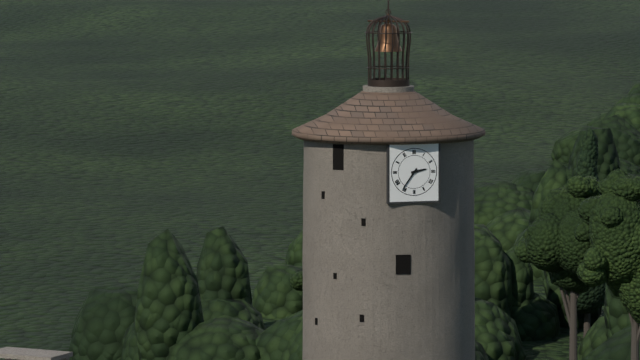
2,36
